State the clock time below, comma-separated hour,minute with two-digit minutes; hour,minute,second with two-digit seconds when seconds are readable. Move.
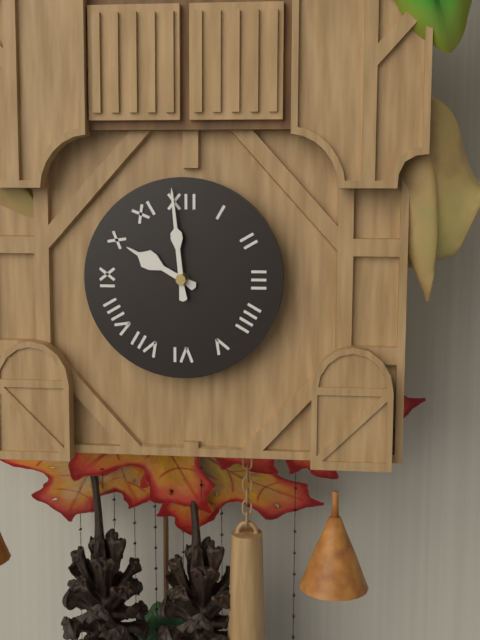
9,59
